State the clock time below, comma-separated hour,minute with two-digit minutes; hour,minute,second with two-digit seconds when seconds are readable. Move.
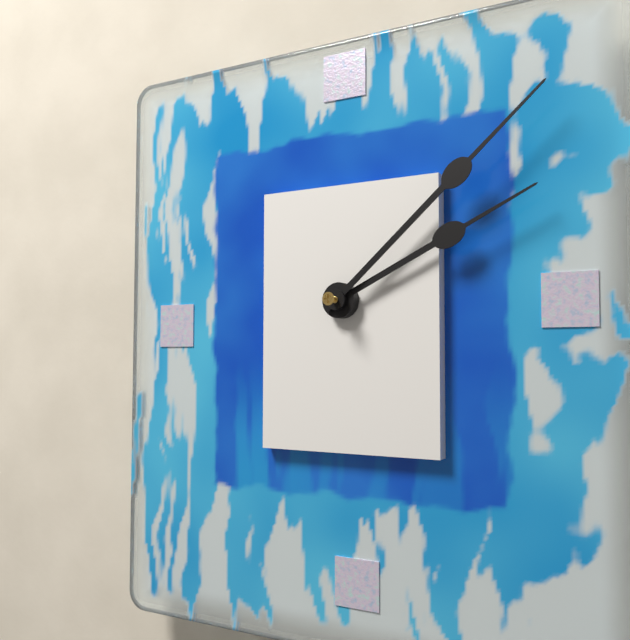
2,08
